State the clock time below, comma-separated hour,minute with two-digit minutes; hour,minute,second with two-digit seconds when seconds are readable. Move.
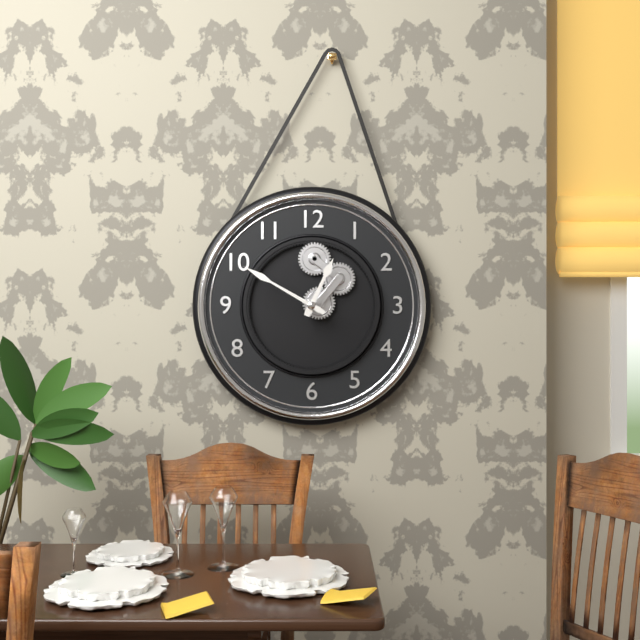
12,50
